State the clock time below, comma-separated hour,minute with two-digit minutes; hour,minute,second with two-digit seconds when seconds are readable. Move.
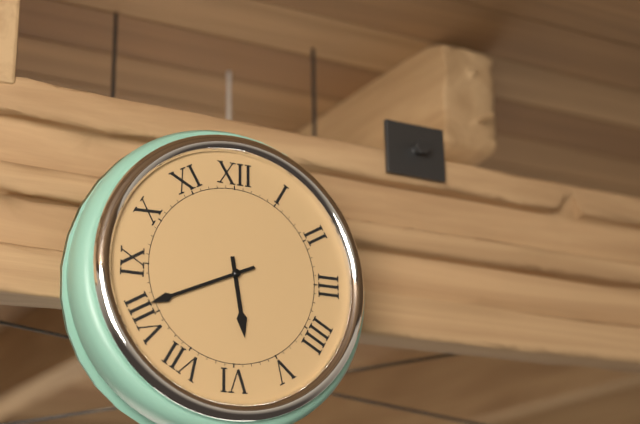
5,41
